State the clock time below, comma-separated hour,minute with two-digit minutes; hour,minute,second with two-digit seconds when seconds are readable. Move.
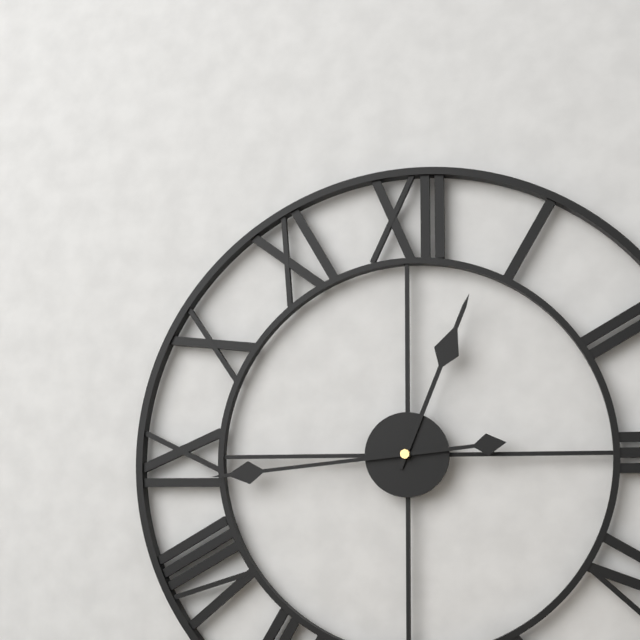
12,44
